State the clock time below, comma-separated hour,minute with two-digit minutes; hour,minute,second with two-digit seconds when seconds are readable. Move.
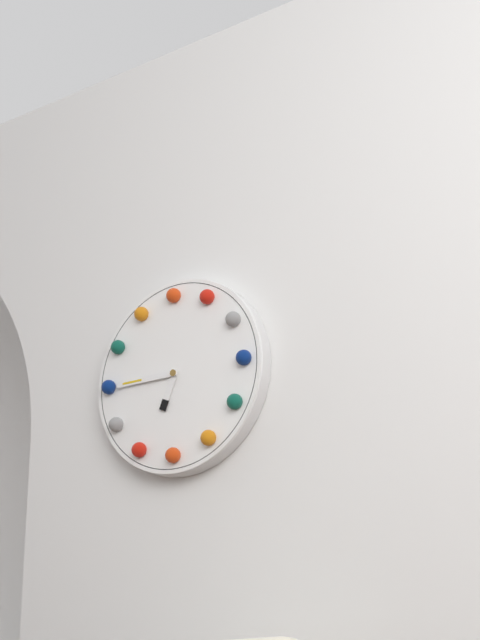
6,45
